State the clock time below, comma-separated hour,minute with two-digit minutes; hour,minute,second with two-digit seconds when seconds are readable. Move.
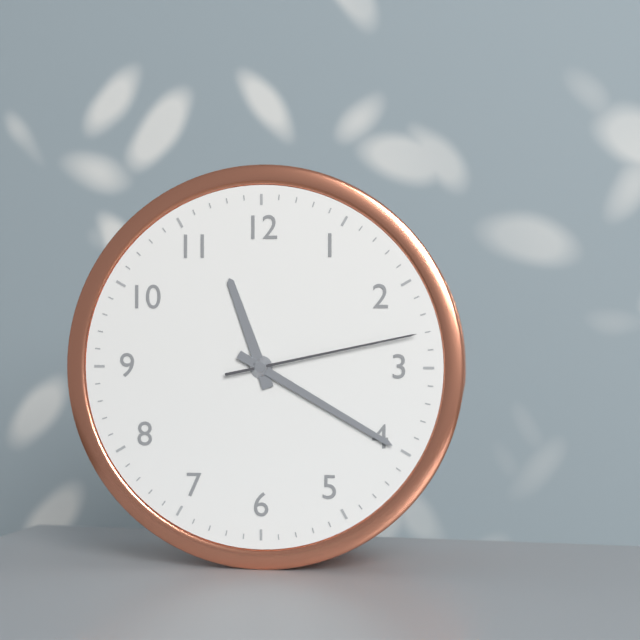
11,20,13
